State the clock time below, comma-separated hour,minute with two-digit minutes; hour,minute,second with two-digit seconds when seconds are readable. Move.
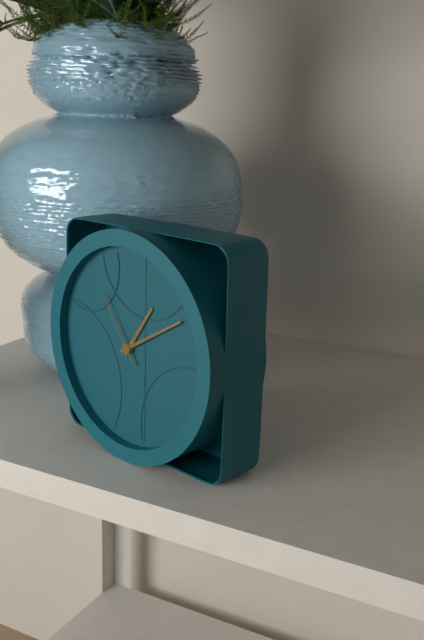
1,10,54
